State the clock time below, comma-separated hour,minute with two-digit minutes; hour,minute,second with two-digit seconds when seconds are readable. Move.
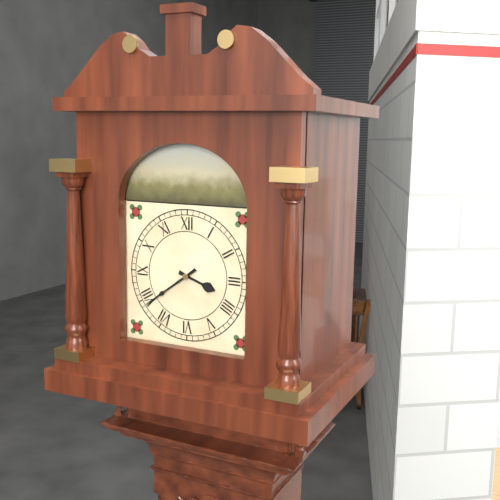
3,39
